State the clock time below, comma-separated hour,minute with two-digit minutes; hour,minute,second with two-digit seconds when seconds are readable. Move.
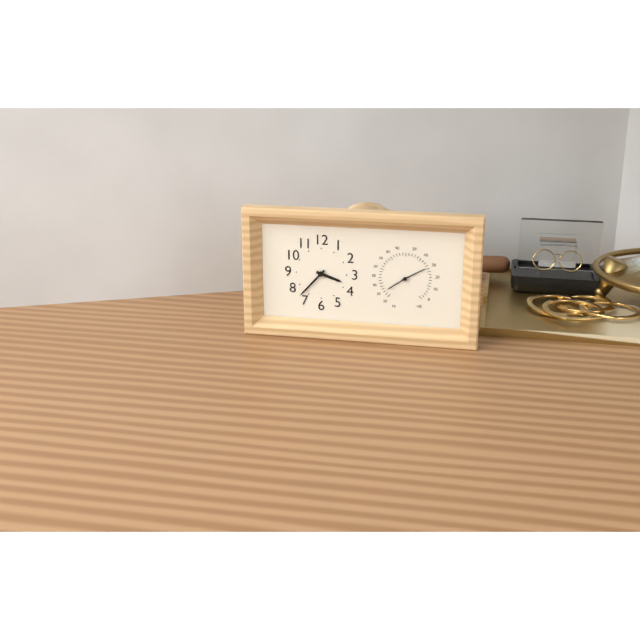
3,37
